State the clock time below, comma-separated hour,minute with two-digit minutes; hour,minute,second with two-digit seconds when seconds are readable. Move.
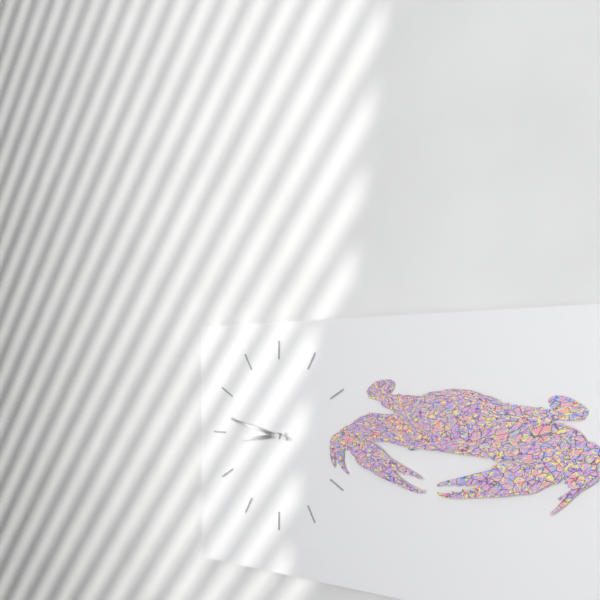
8,47
